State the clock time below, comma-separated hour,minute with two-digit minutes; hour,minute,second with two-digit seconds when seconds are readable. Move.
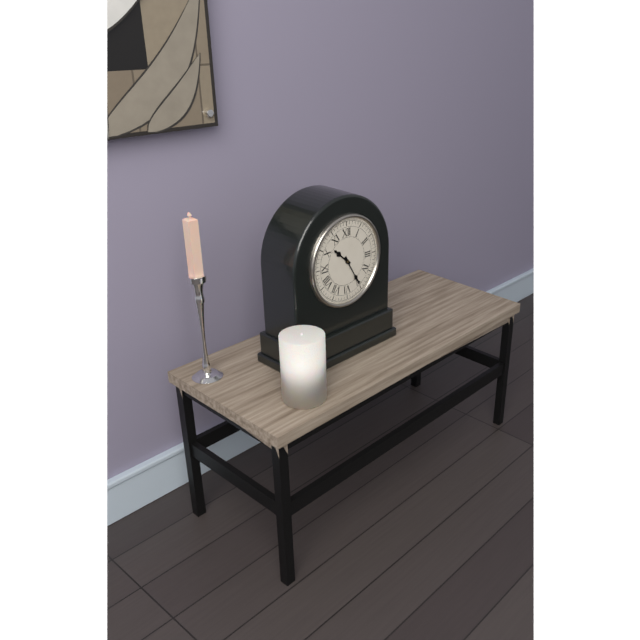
10,25
